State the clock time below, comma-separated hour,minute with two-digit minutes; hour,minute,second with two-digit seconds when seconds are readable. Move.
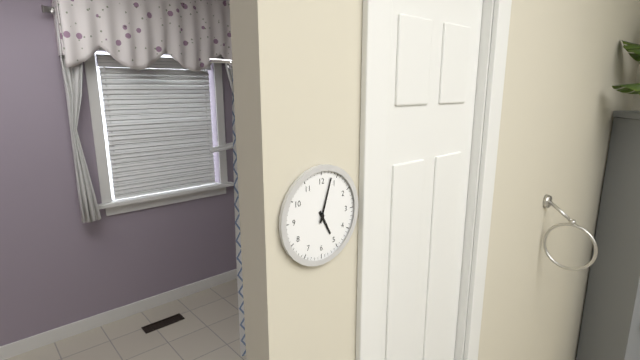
5,03
